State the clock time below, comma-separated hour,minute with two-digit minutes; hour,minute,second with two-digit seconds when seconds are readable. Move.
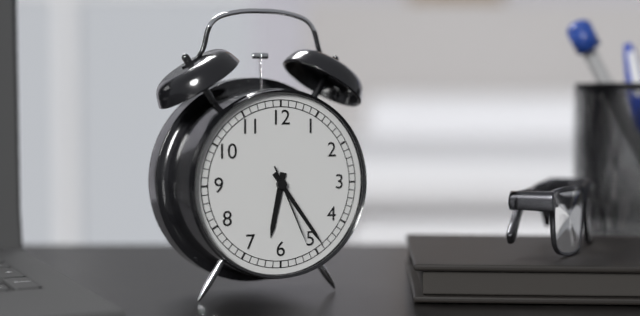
6,24,26
